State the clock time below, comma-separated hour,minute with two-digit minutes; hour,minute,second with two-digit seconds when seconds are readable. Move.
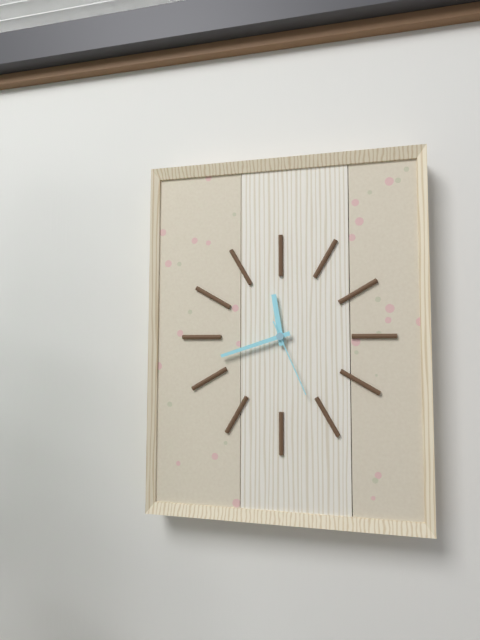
11,42,26
